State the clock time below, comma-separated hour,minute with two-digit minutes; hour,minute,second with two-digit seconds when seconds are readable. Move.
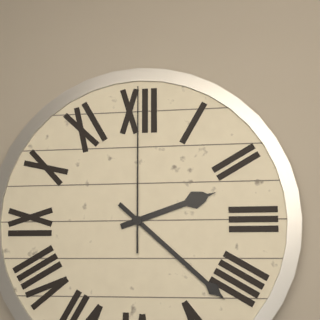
2,22,00
